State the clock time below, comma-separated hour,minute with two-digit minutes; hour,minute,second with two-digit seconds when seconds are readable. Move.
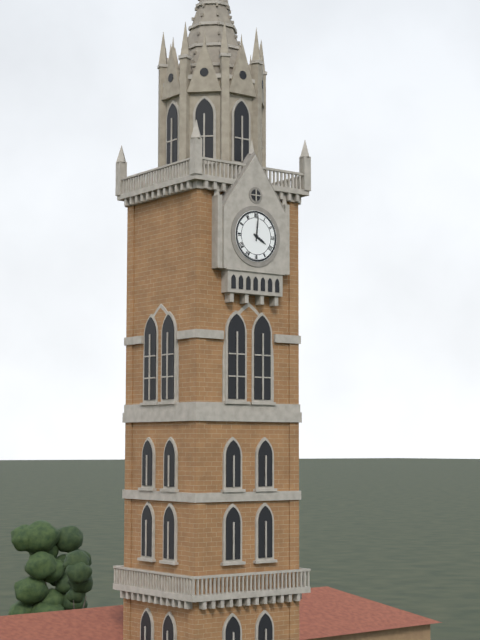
4,01
